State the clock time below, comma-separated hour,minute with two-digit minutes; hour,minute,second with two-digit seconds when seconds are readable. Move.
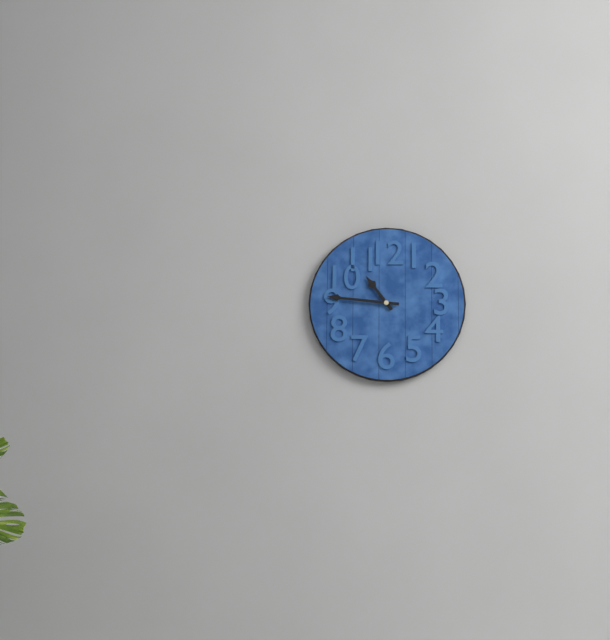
10,46
